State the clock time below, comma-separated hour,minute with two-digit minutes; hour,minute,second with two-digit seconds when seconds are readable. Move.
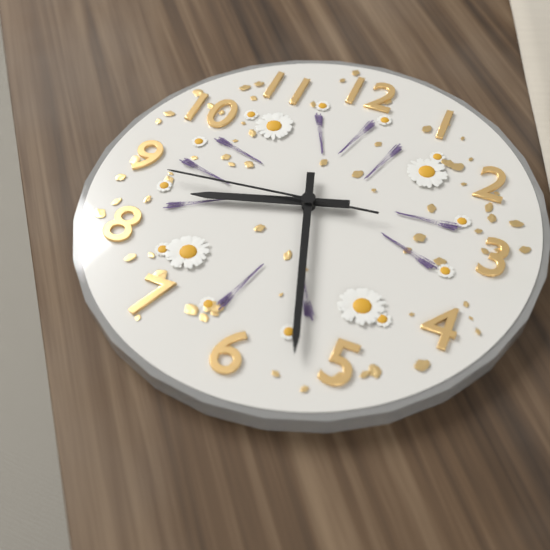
8,27,44
